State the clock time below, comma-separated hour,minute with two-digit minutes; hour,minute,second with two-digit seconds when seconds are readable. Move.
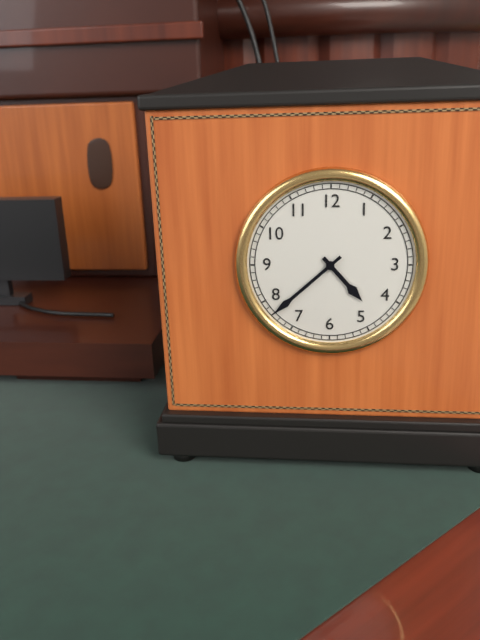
4,38
